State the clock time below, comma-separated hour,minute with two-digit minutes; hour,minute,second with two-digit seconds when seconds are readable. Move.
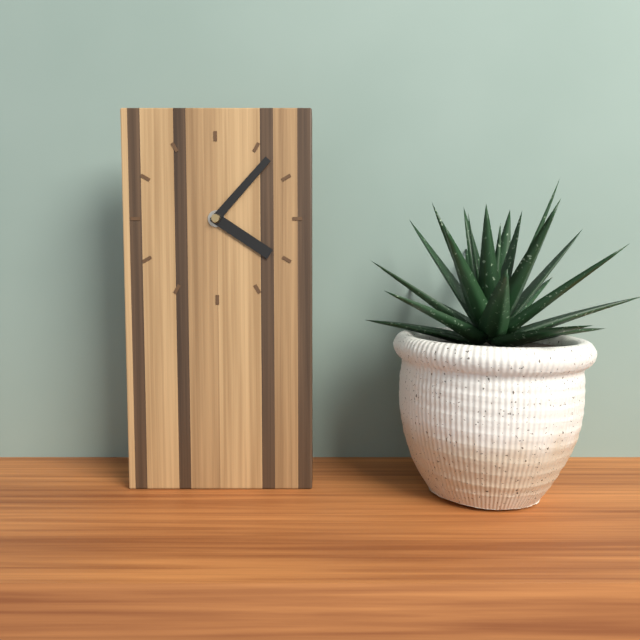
4,07
